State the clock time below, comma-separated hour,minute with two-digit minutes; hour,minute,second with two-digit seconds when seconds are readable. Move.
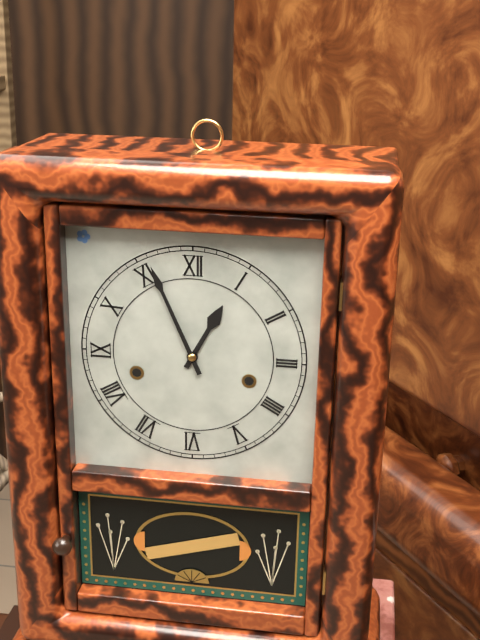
12,56
